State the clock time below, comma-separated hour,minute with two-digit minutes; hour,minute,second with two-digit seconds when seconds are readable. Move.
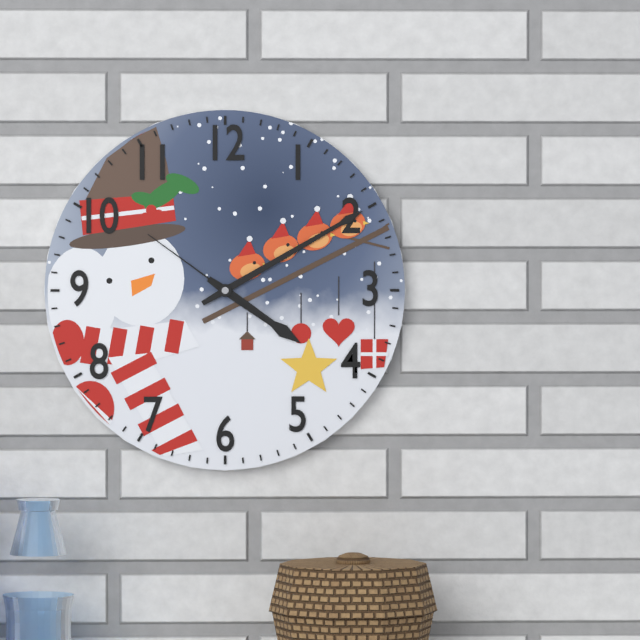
4,10,51
